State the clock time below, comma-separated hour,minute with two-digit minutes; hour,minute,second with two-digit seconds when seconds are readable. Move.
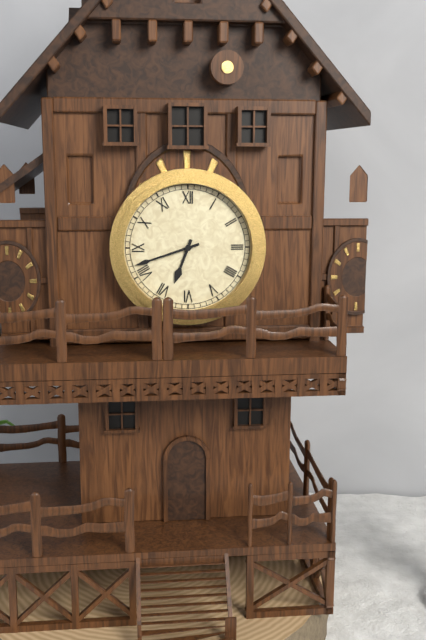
6,42
